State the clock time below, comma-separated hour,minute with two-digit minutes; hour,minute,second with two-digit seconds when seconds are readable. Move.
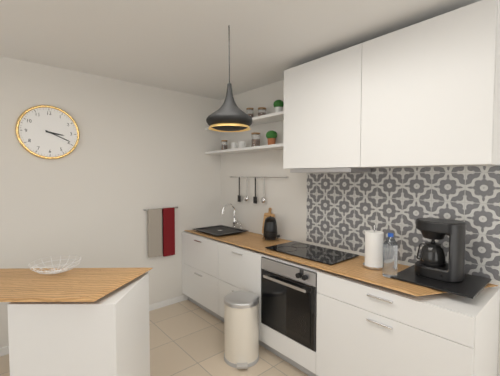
3,19
